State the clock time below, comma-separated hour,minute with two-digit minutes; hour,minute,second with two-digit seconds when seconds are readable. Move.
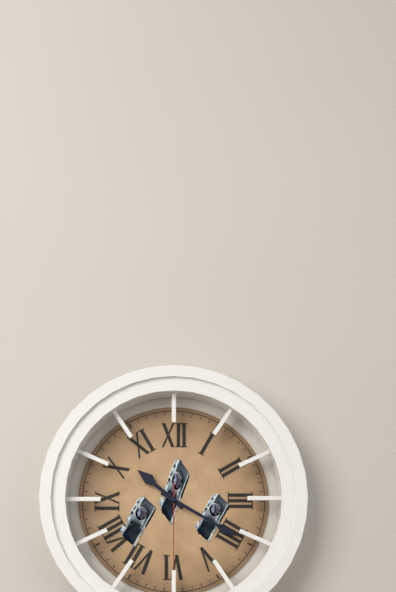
10,20,30
